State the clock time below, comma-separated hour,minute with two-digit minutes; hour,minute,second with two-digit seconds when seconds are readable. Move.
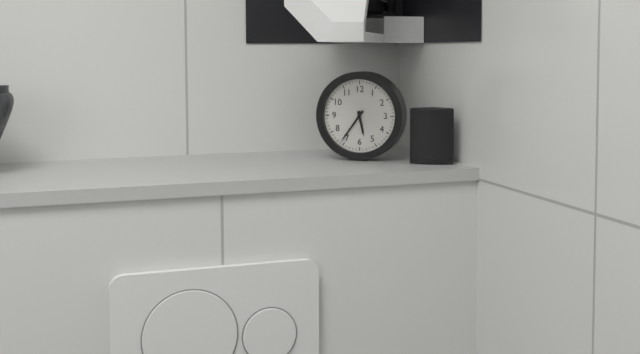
5,36
